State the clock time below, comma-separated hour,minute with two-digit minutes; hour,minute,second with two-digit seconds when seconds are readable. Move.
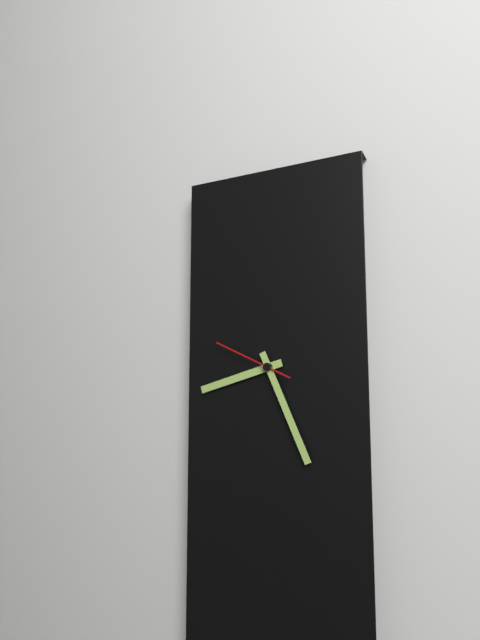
8,26,49
